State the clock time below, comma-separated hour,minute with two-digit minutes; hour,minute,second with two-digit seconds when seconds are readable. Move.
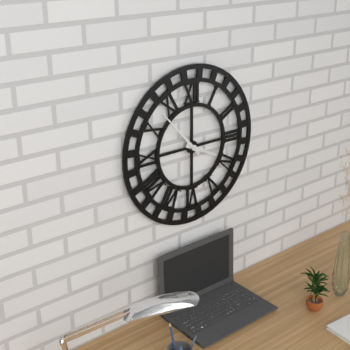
3,53
